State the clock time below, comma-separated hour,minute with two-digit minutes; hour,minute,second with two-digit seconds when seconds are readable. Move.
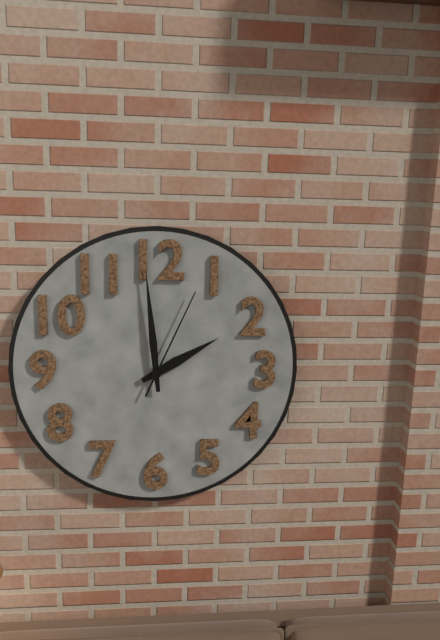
1,59,04
